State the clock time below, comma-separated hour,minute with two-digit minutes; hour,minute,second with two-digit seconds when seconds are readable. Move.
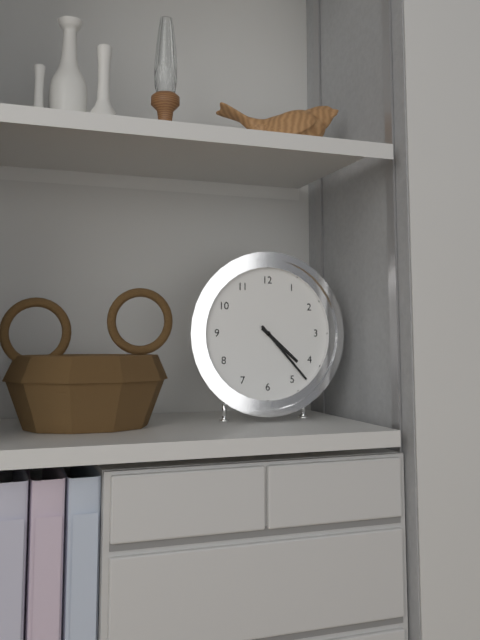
4,23
